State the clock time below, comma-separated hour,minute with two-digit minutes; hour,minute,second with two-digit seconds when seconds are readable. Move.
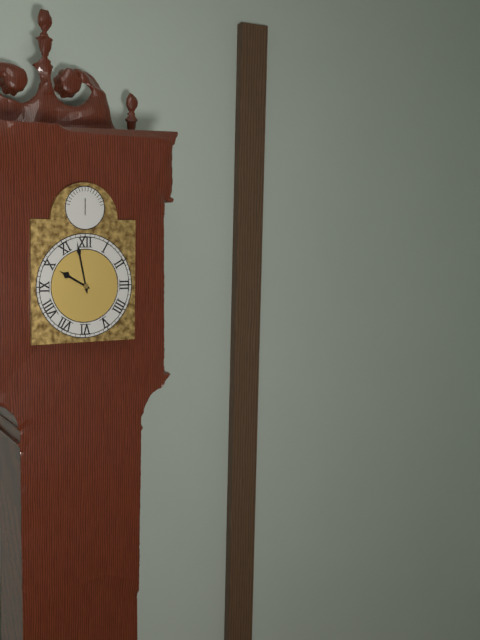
9,58
